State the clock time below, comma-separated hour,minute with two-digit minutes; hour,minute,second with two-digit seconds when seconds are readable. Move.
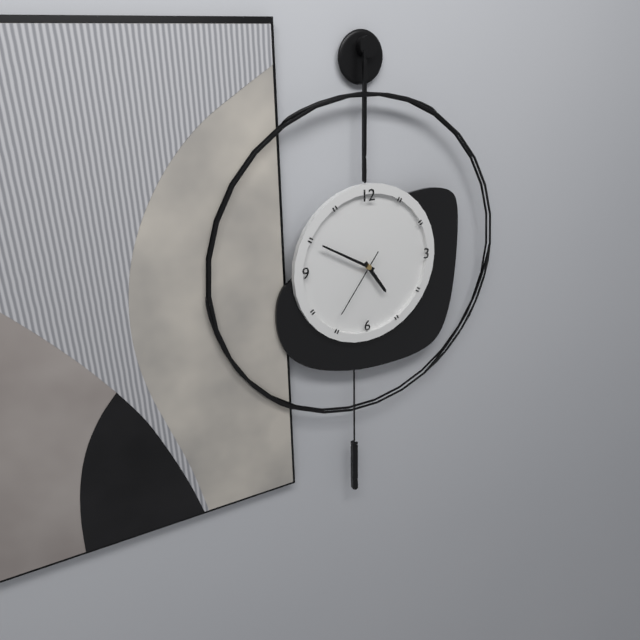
4,50,36
